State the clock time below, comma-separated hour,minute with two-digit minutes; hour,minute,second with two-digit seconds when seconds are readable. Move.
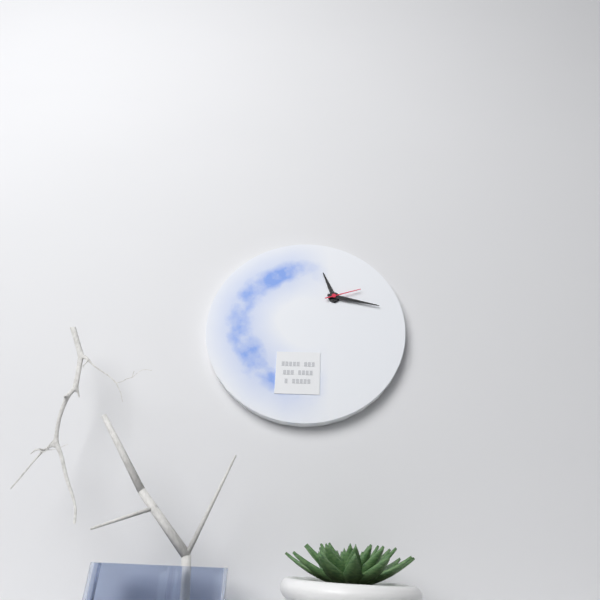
11,17
